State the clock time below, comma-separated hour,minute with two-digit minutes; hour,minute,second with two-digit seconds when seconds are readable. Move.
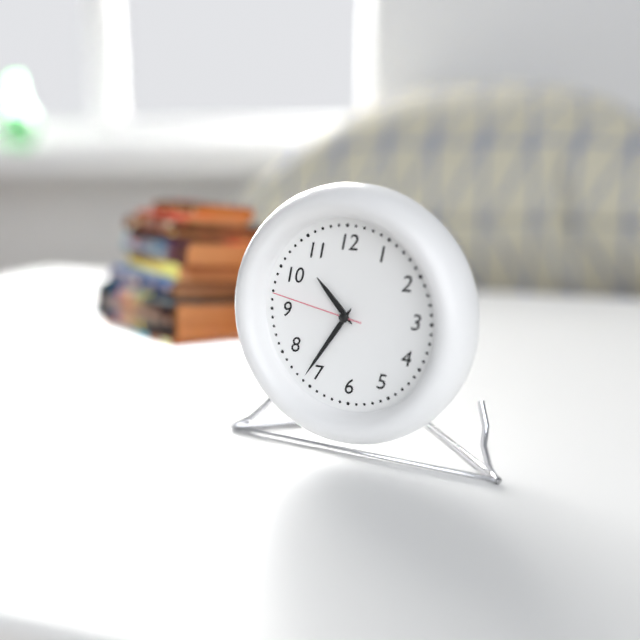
10,36,47
